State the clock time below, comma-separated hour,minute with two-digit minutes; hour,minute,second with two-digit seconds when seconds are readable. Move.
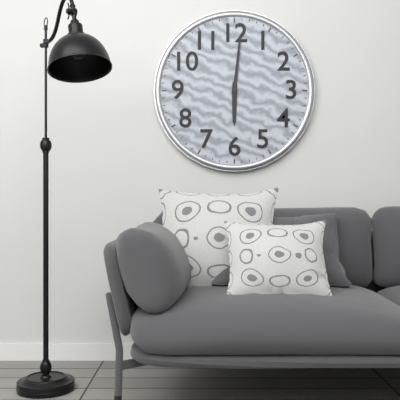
6,01
